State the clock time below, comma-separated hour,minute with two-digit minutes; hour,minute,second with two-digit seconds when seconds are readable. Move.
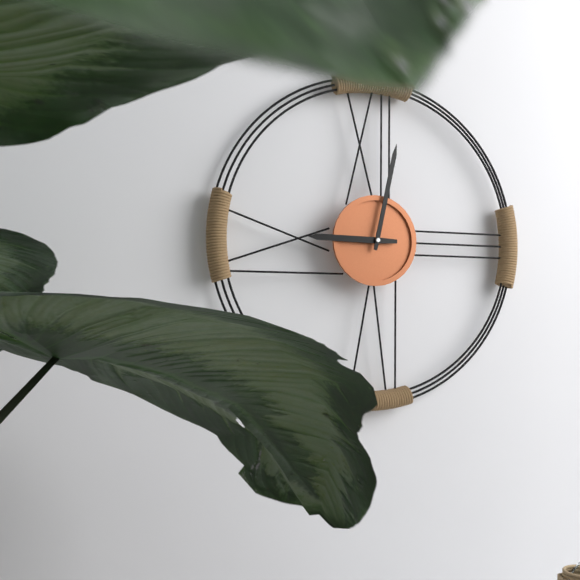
9,02
